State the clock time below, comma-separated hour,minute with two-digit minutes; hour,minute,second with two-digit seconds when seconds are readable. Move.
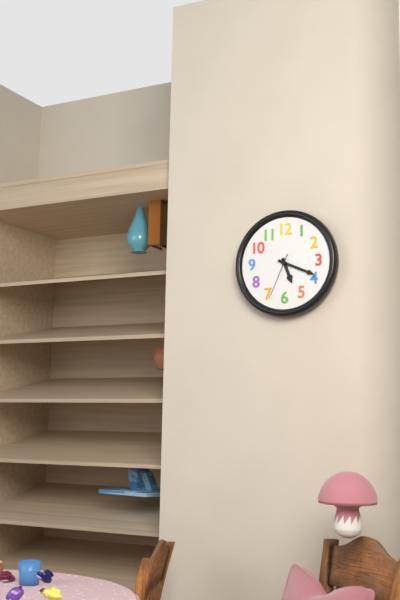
5,19
